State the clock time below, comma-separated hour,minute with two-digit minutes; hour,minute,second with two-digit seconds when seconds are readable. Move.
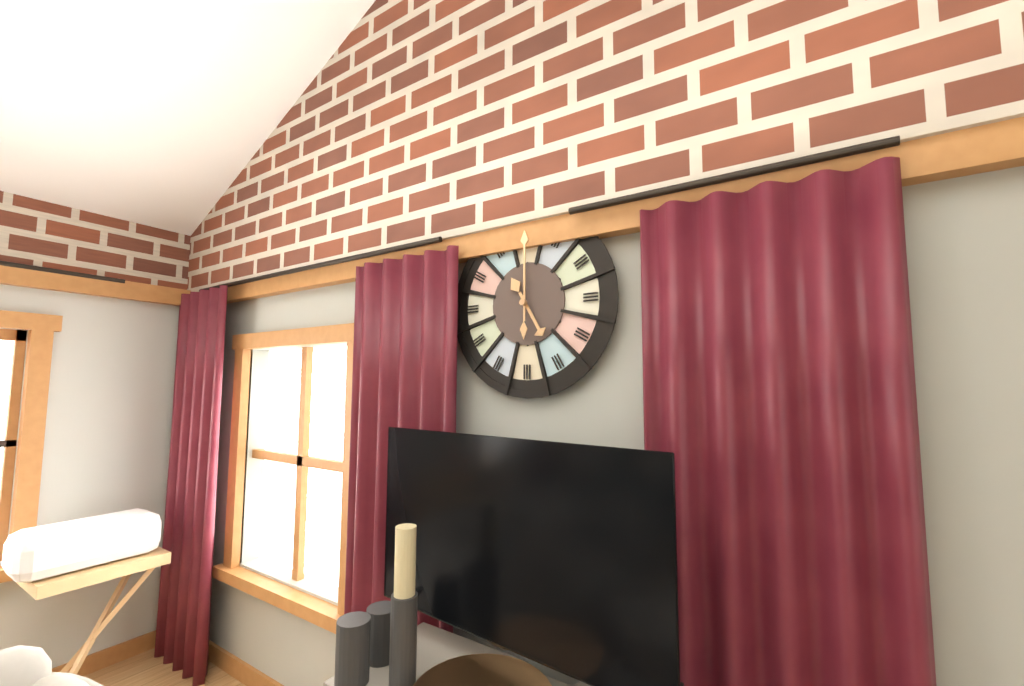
5,00
